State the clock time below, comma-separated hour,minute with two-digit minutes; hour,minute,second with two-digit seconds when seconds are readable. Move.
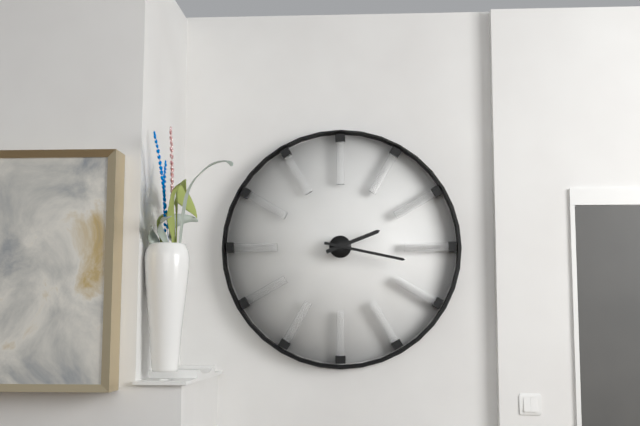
2,17
